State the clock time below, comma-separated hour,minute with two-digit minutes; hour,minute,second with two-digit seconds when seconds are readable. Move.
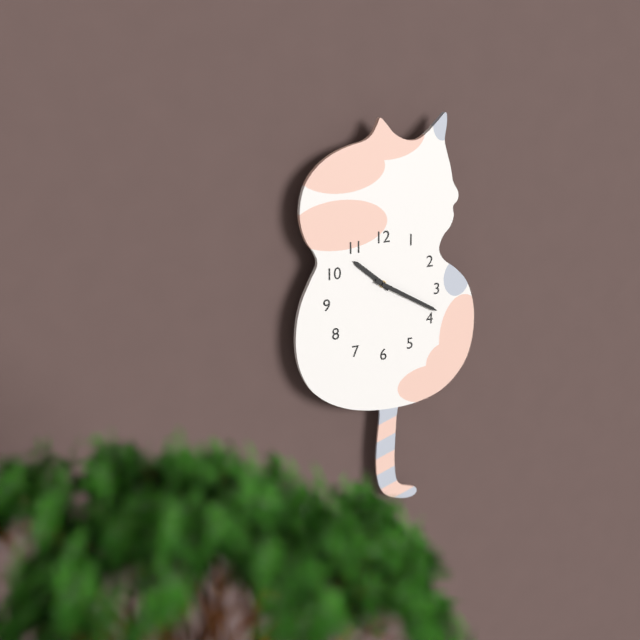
10,20
